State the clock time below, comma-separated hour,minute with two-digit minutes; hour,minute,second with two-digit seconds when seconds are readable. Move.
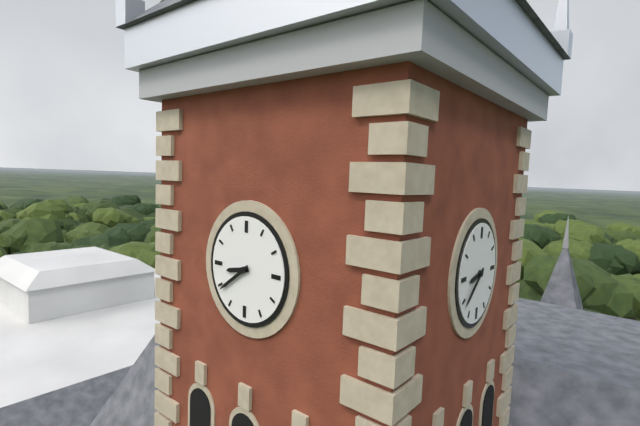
8,39
